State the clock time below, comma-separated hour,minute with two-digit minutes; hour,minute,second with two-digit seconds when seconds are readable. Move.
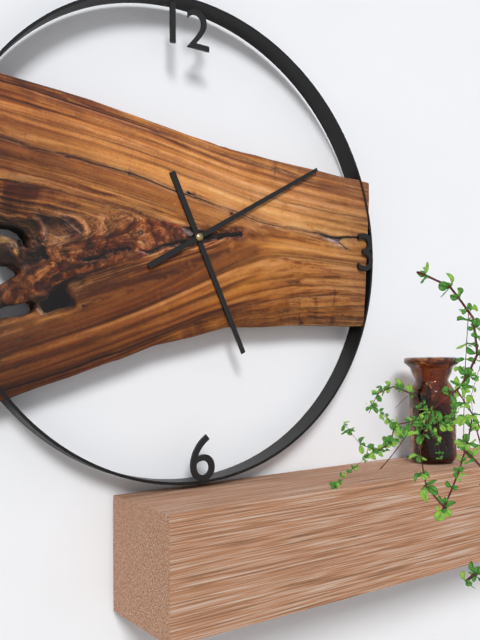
5,10
